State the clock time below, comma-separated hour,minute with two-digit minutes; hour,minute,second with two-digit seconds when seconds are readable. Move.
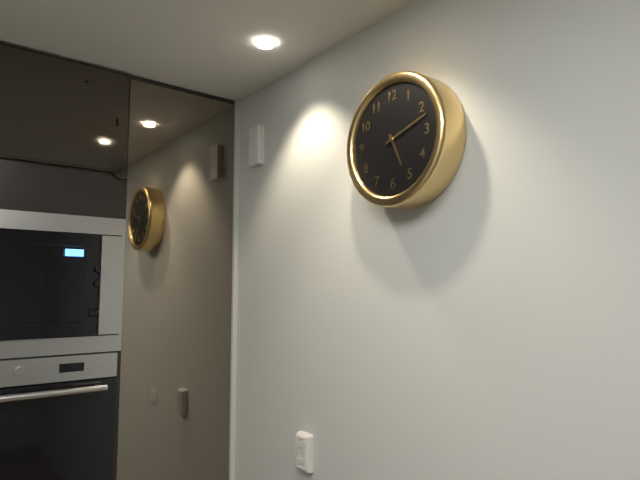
5,12
